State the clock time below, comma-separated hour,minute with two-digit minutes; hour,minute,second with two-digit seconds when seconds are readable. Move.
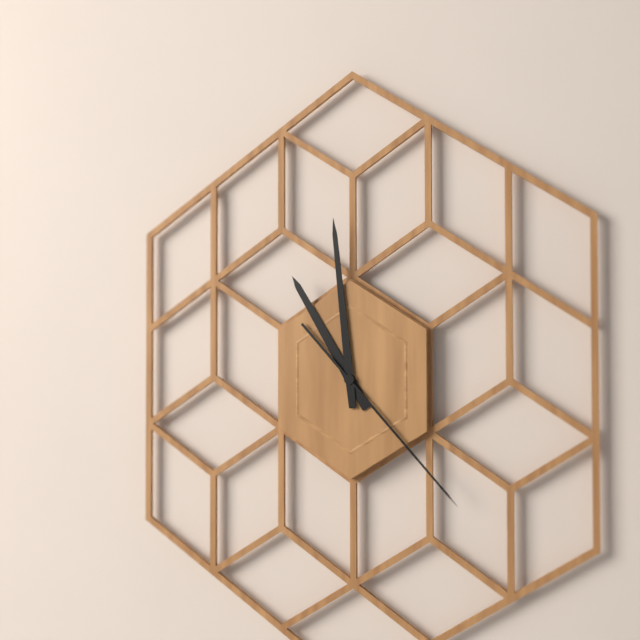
10,59,23
